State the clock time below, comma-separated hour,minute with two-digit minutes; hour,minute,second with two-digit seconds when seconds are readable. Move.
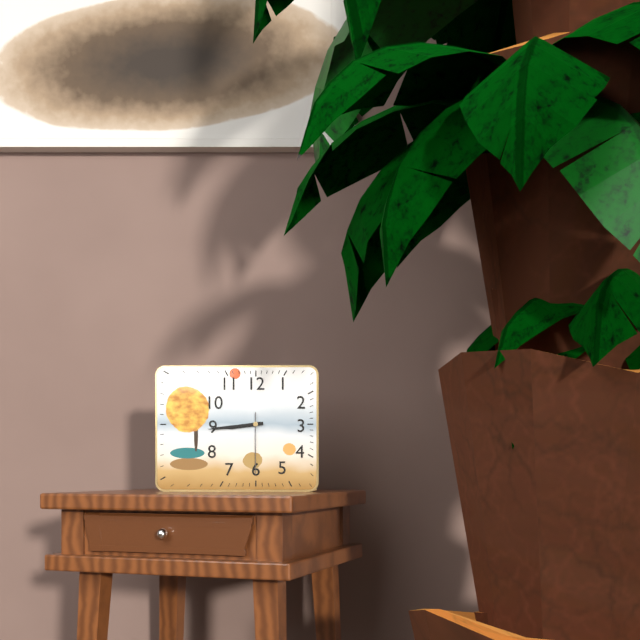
8,44,30
